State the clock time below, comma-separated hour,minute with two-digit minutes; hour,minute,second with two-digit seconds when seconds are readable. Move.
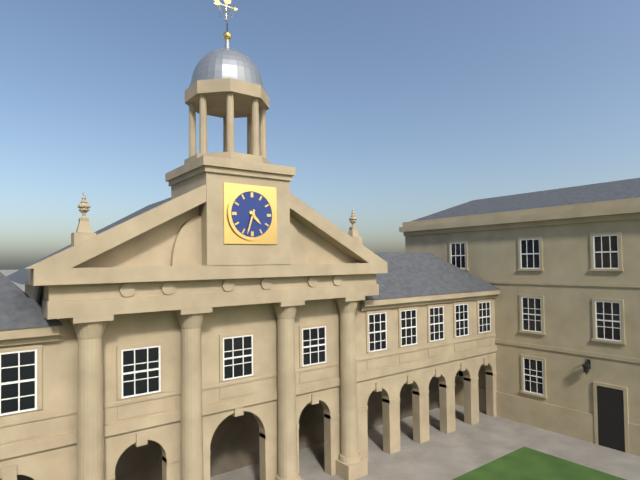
4,33
